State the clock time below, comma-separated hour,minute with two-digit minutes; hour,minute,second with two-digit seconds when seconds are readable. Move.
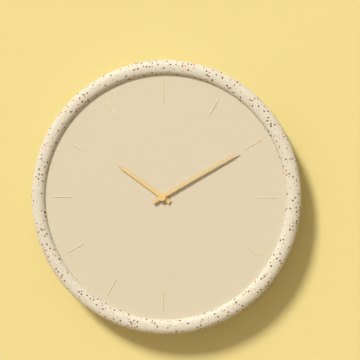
10,10
